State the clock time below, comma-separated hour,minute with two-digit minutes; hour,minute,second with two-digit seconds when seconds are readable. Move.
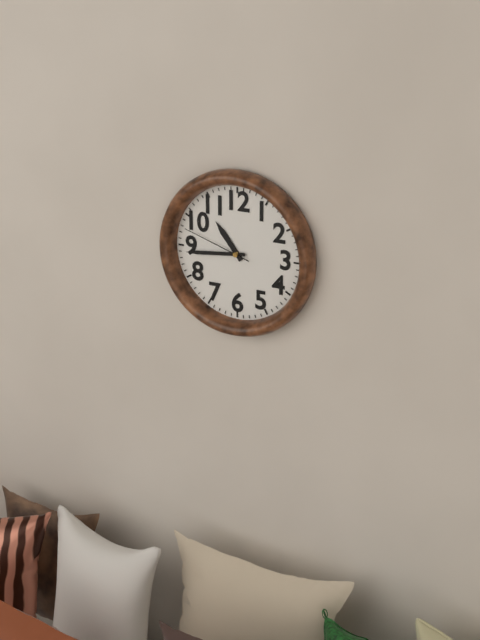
10,44,48
